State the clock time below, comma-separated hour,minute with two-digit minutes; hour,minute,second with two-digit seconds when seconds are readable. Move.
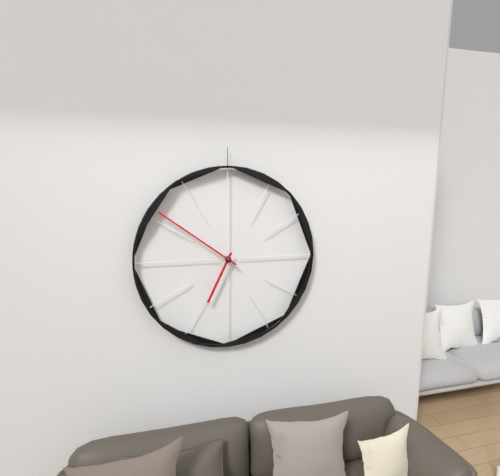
6,51
